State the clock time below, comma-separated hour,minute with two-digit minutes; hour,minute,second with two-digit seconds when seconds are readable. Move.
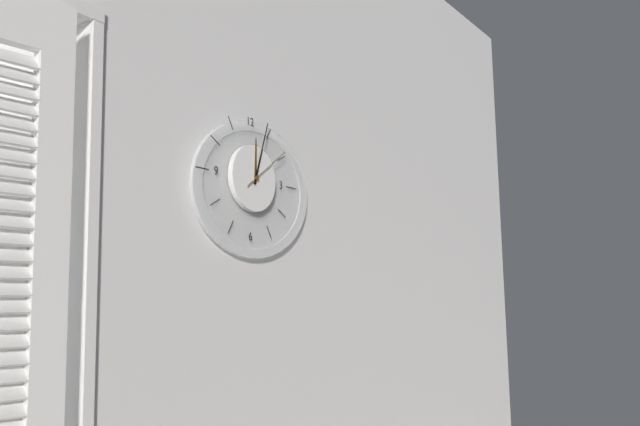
12,03
